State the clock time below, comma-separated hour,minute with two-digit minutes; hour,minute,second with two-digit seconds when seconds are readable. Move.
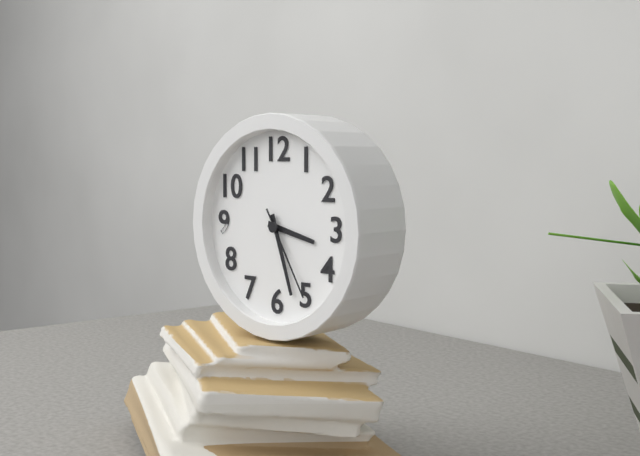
3,27,25
